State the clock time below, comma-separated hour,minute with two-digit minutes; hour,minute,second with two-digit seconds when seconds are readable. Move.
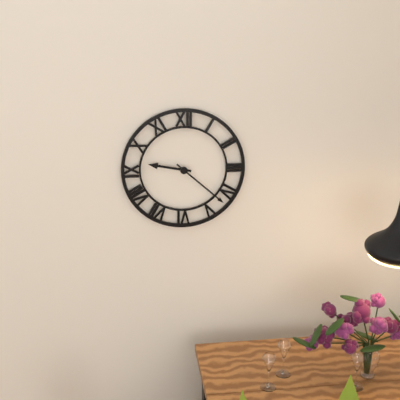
9,22
